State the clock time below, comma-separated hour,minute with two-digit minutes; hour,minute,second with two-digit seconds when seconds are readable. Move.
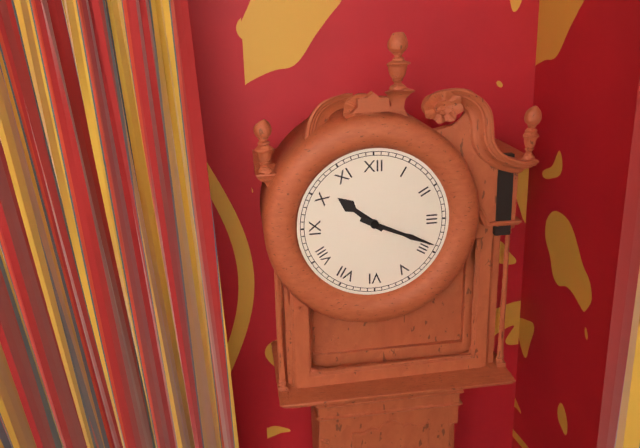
10,19
